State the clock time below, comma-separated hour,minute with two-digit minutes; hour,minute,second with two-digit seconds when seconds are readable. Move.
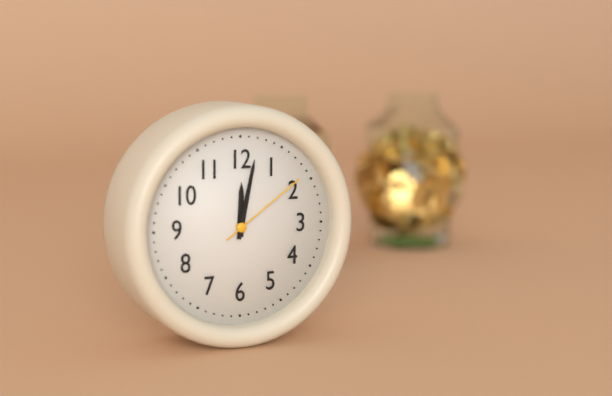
12,02,09
